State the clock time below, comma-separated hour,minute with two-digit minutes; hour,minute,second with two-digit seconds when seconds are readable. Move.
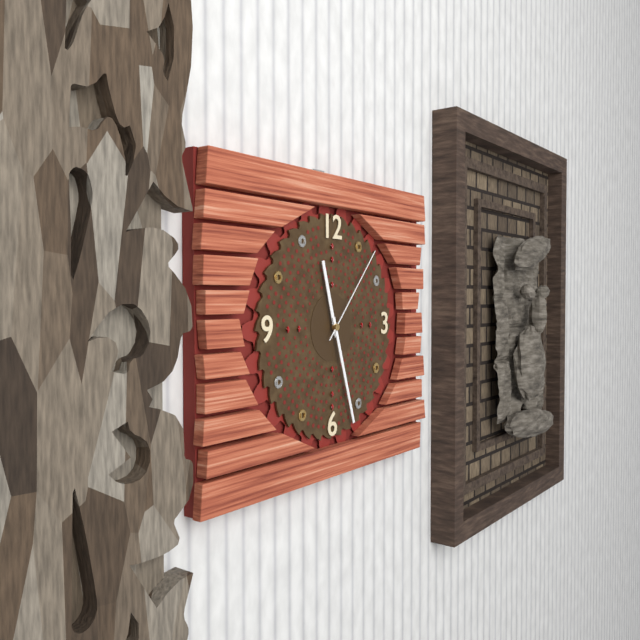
11,27,07
